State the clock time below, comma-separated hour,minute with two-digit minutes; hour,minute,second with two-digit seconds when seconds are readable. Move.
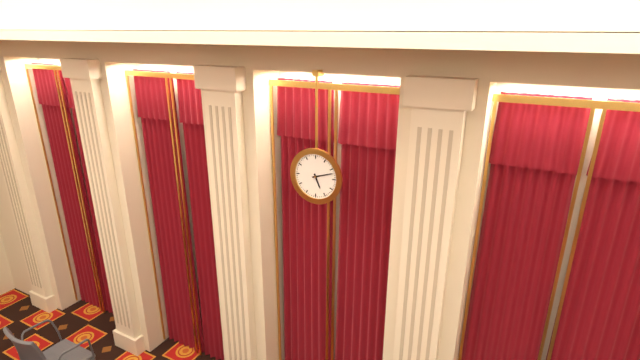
5,12
